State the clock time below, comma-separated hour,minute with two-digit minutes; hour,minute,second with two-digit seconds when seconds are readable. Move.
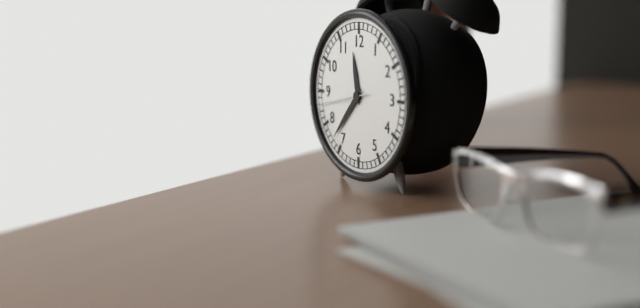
11,37
